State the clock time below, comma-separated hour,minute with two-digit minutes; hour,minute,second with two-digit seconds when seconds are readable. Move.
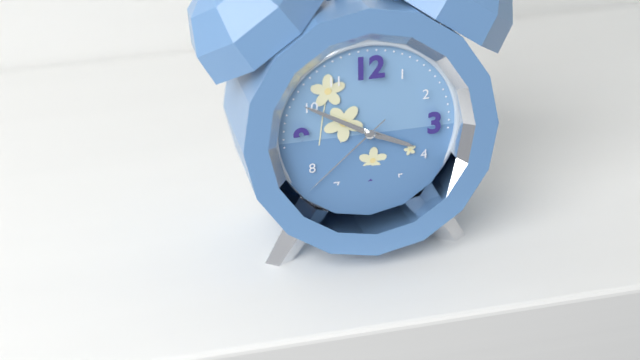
3,50,38
